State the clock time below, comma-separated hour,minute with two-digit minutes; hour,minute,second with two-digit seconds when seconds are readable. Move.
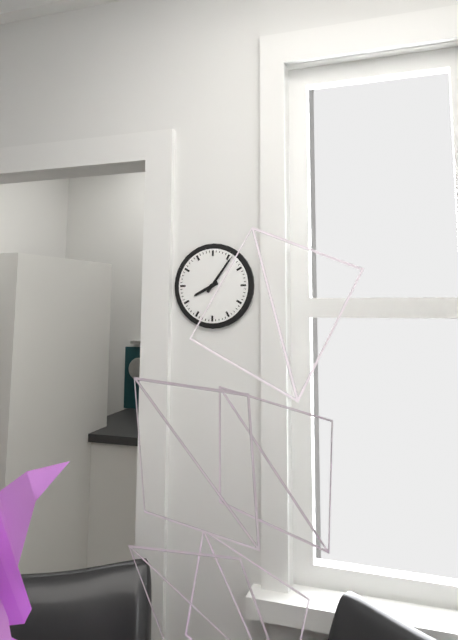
8,06
